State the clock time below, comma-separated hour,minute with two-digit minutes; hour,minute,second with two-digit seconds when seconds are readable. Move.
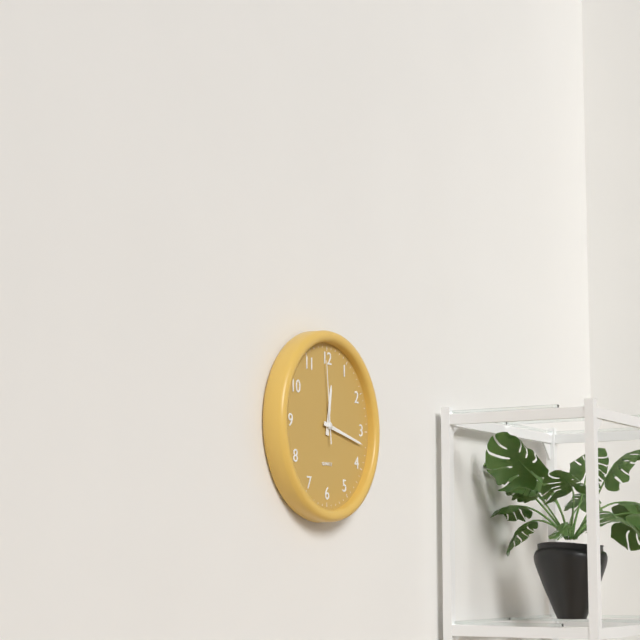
12,17,59
